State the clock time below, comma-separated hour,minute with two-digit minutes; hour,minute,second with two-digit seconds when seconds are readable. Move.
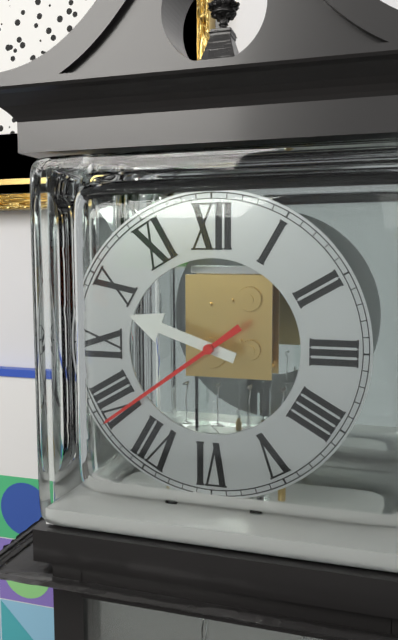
9,39
